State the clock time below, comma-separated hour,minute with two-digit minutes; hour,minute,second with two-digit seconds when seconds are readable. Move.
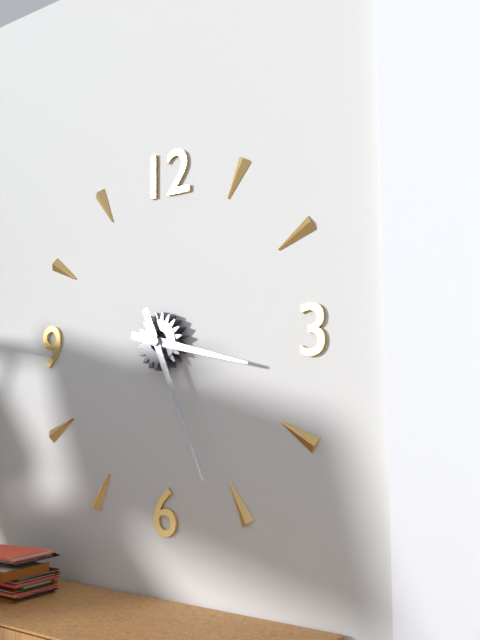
3,26
